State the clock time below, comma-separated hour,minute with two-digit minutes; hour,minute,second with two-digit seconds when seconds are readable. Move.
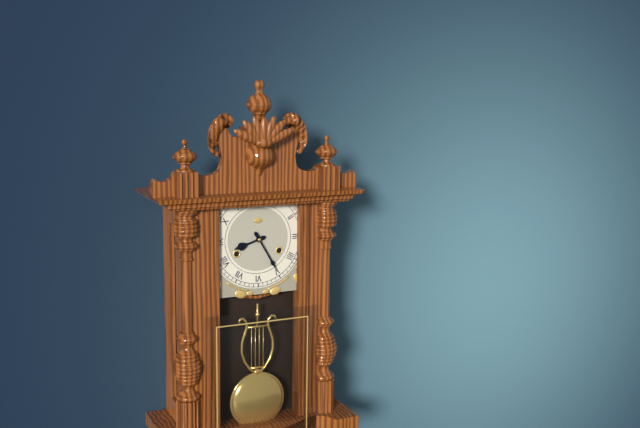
8,25
